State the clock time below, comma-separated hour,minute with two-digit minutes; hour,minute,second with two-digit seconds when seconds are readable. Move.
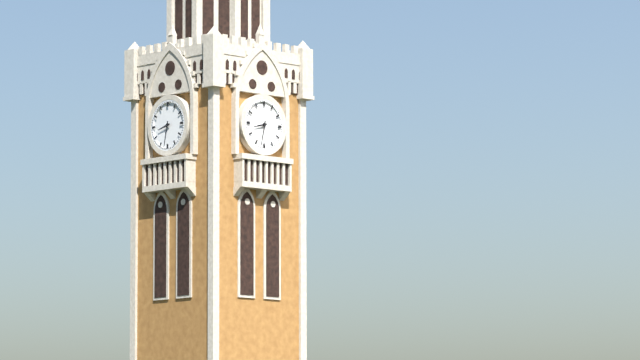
8,32
